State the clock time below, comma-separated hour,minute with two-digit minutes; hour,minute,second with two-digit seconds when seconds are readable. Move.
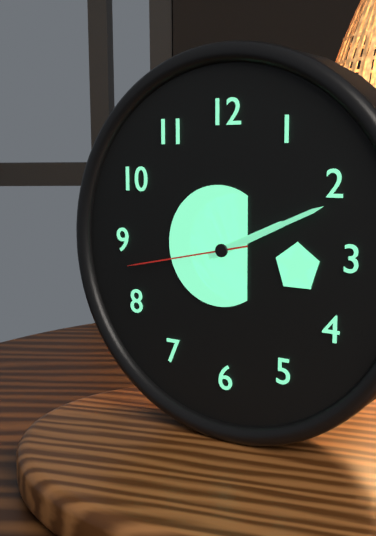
2,11,43
